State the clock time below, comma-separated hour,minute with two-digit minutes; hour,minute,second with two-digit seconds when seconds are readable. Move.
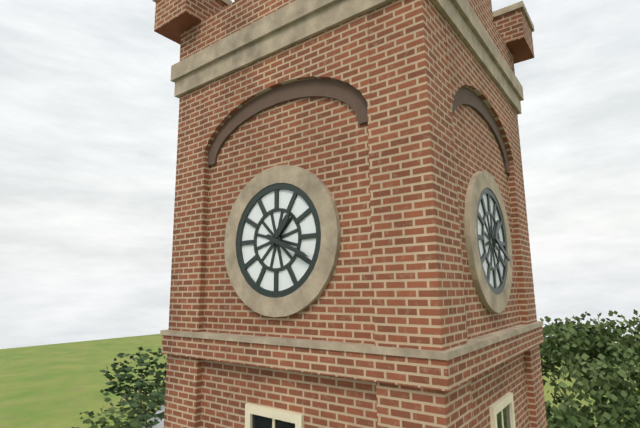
1,19
